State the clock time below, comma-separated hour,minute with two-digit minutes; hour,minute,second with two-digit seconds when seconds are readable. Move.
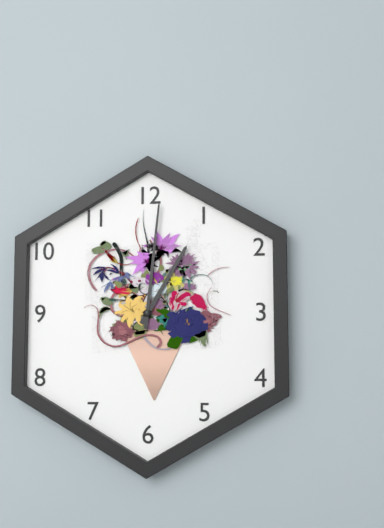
1,01
